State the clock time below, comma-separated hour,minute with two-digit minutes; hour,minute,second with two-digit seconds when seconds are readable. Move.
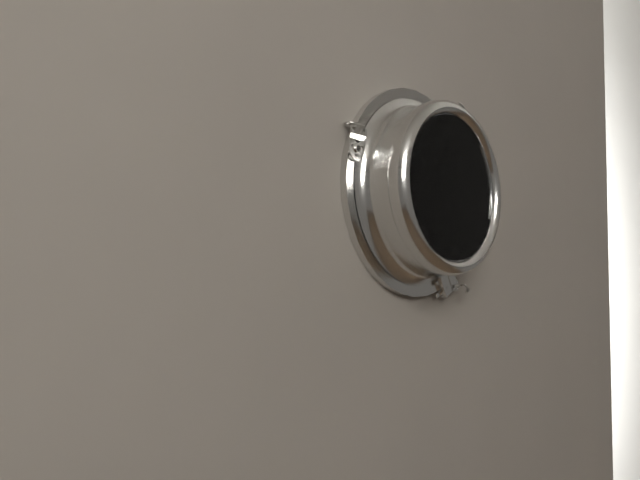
11,16
